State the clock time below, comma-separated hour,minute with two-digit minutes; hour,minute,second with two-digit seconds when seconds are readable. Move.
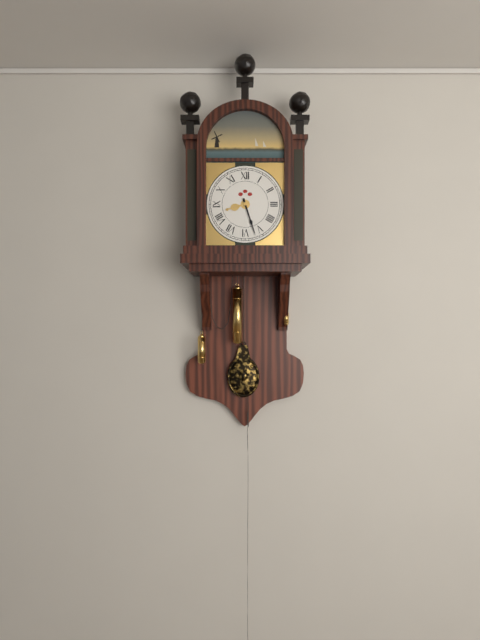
8,27
